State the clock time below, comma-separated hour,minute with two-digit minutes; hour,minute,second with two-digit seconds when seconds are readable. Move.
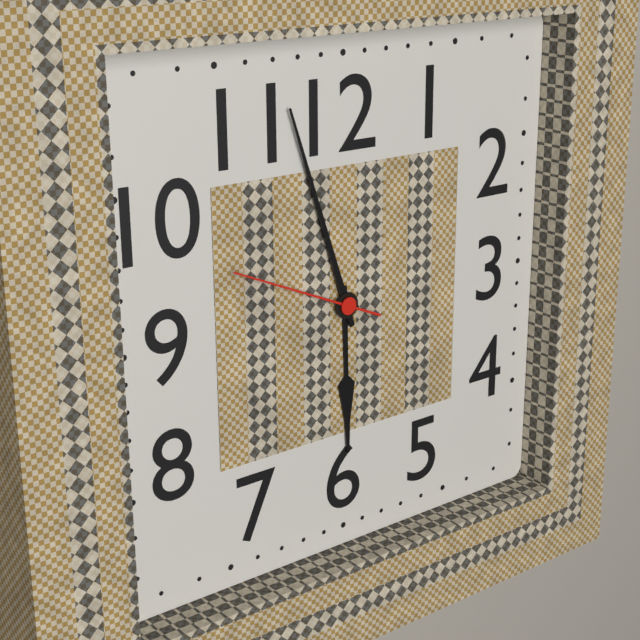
5,57,49
